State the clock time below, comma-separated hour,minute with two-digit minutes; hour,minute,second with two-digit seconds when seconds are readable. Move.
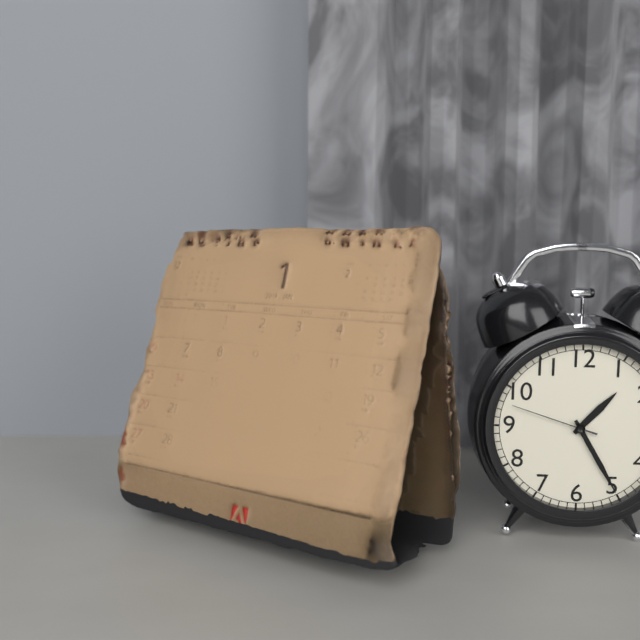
1,25,48
